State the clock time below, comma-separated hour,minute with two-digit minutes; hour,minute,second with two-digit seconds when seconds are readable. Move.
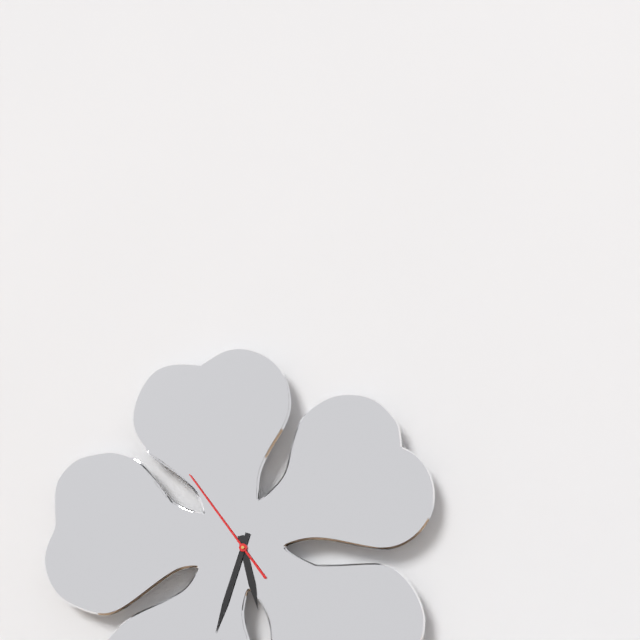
5,33,54
